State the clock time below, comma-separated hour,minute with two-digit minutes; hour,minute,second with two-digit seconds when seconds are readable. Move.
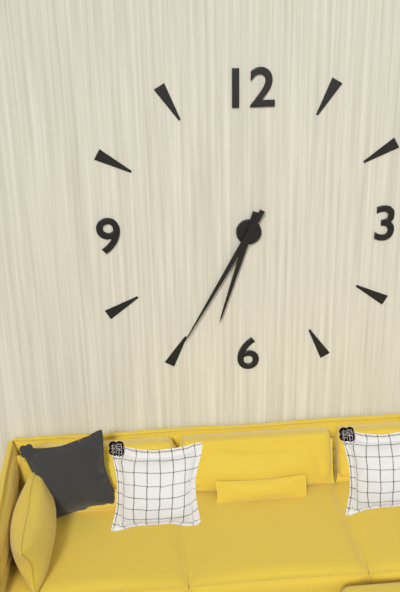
6,35
